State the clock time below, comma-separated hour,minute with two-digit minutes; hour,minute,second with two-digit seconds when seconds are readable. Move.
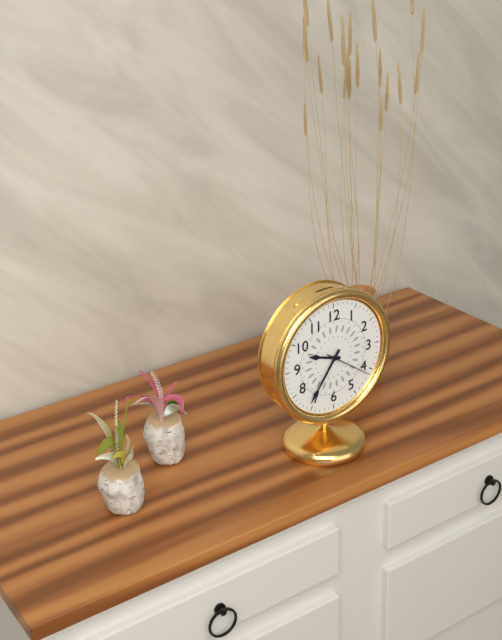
9,36
